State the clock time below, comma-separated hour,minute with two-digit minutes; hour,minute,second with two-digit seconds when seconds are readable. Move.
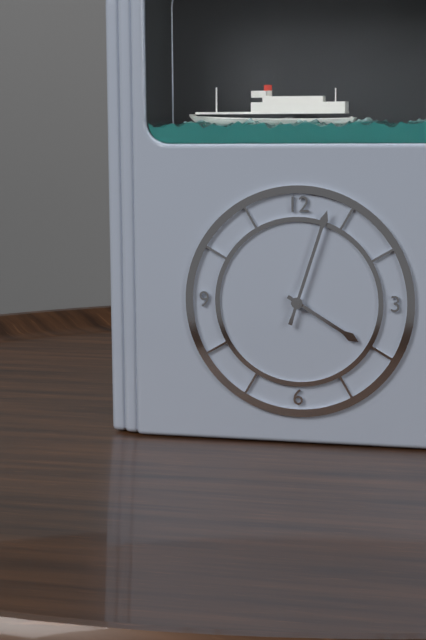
4,03
